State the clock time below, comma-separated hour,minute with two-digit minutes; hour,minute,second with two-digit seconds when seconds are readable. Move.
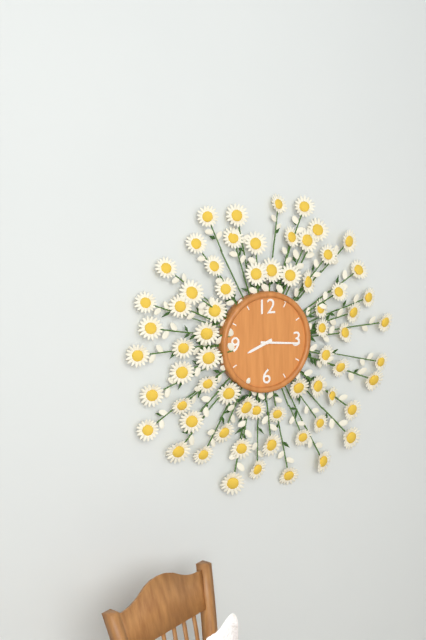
8,16
